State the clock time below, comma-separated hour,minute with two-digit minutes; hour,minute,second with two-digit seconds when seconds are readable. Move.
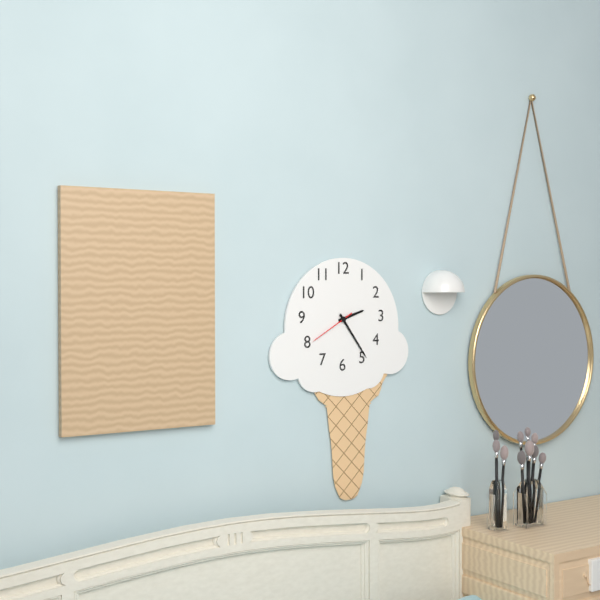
2,24
